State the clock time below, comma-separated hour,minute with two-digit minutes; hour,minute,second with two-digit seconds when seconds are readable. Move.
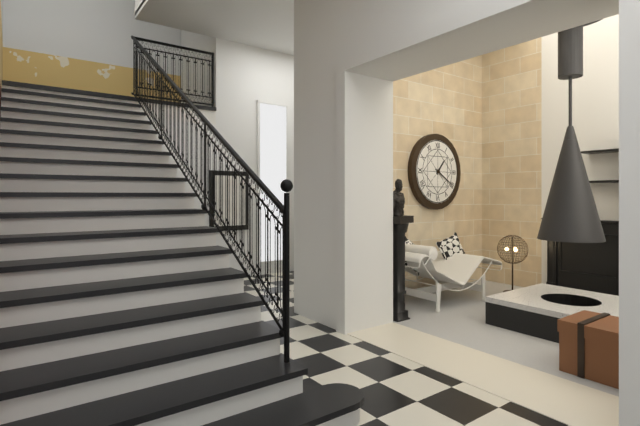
1,20
